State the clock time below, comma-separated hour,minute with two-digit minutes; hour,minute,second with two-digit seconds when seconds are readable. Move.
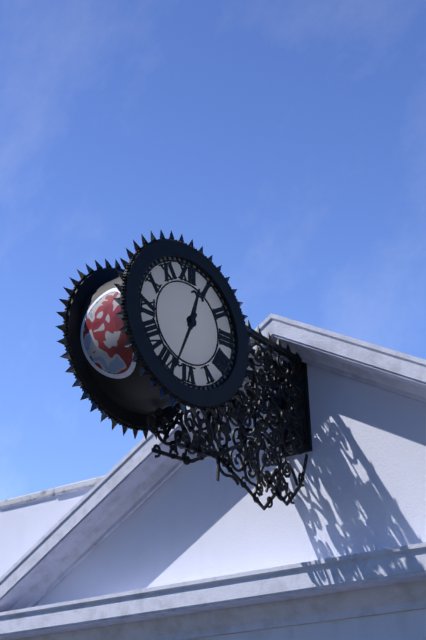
12,34
